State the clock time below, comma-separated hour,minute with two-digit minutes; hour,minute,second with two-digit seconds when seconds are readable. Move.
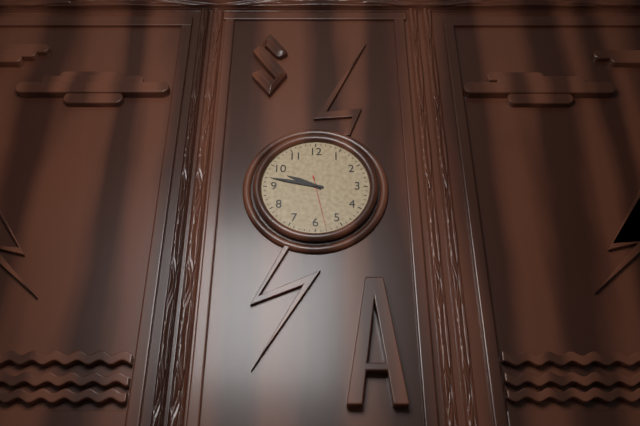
9,47
